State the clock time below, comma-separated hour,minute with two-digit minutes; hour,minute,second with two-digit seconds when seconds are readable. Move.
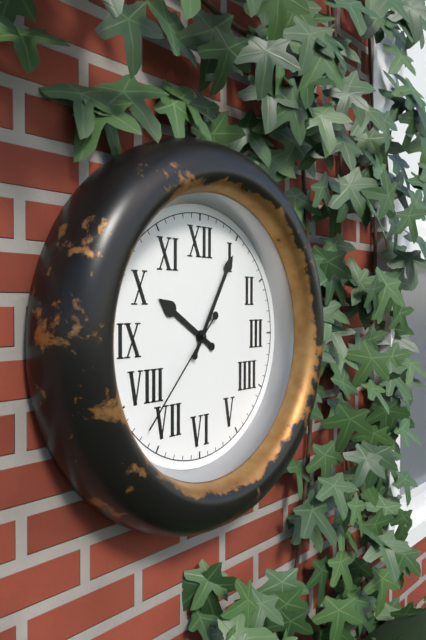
10,05,37
